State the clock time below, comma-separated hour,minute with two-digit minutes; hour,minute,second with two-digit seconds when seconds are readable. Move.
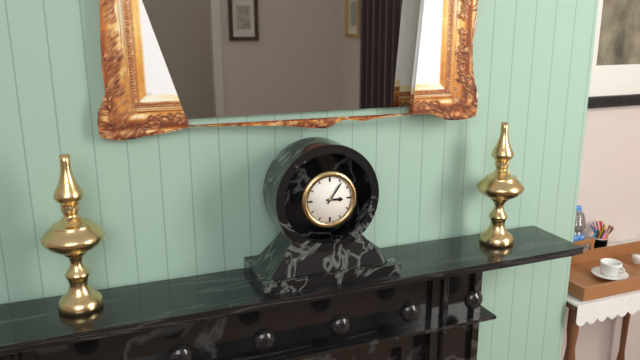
3,06
